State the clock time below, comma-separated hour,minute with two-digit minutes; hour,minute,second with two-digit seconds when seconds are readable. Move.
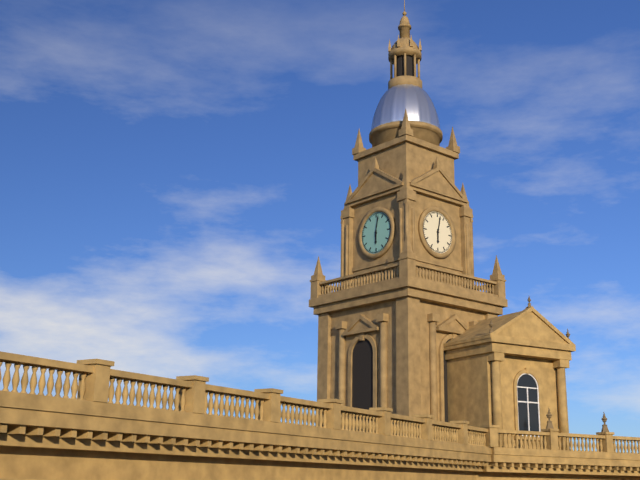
6,02
